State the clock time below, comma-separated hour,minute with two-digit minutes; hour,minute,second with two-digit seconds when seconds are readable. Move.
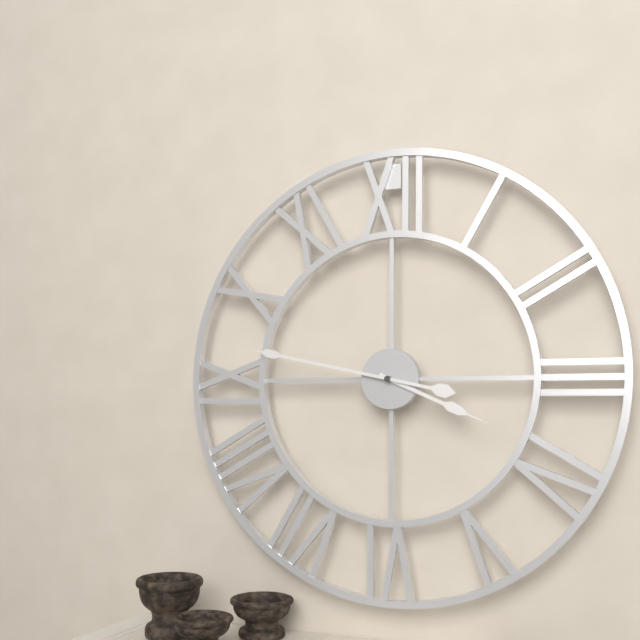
3,47
